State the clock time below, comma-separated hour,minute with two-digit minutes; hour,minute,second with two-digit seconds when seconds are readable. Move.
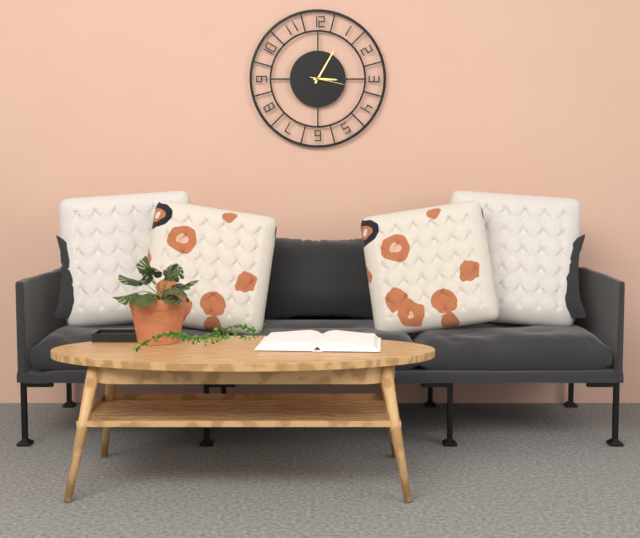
3,05
